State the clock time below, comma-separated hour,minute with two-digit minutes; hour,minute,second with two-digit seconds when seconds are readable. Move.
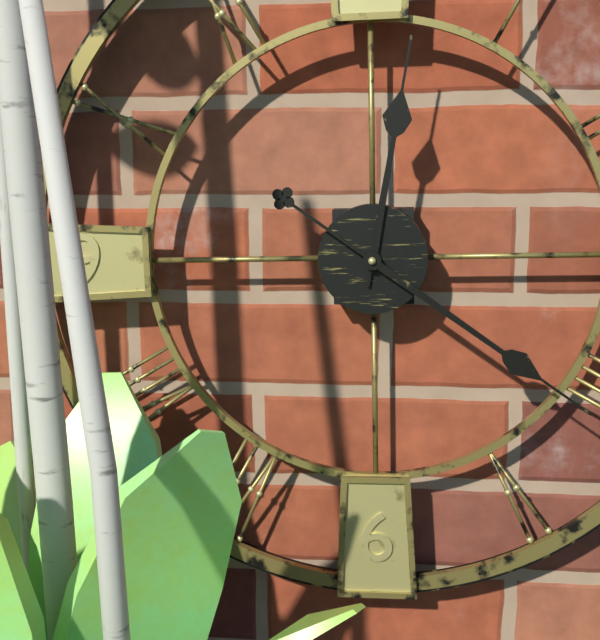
12,21
